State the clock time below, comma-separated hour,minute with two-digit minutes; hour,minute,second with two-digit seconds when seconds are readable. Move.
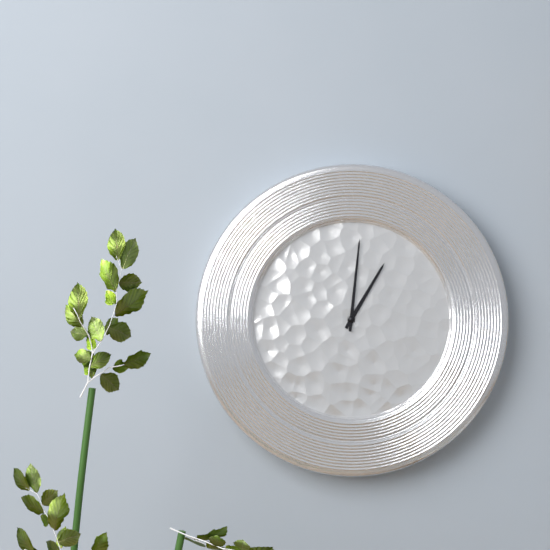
1,01
